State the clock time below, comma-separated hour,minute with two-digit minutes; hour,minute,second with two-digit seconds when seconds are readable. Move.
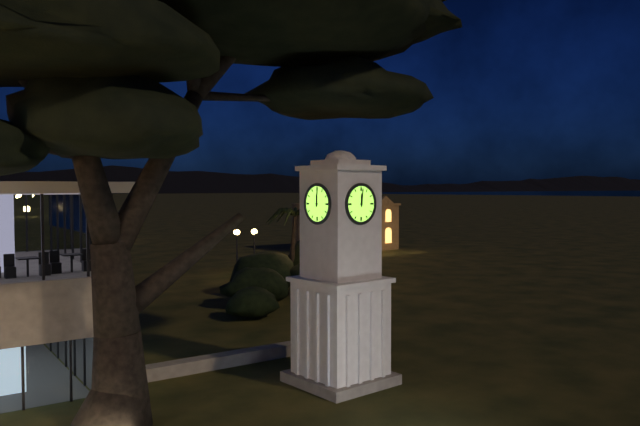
12,01
